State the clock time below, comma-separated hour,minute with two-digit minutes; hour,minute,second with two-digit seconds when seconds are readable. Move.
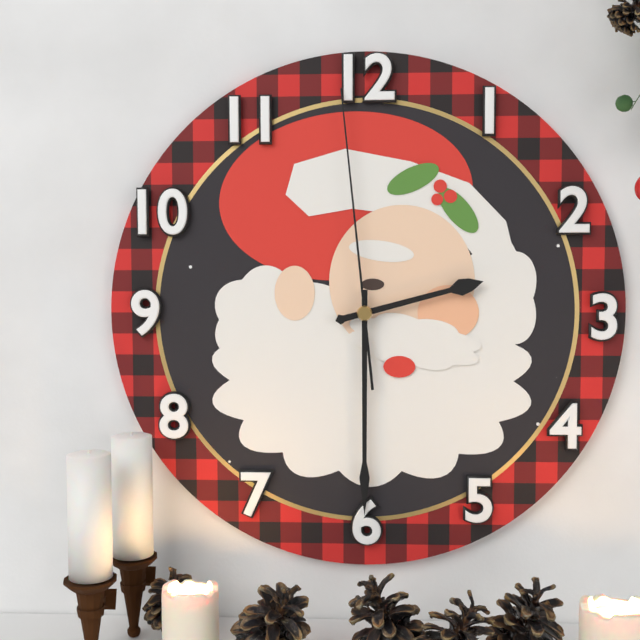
2,30,59
